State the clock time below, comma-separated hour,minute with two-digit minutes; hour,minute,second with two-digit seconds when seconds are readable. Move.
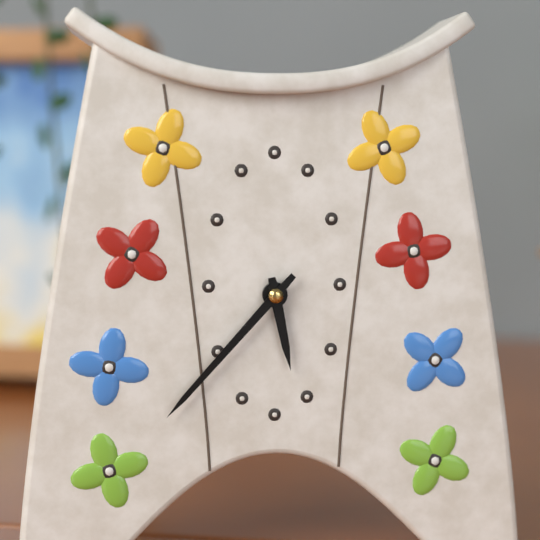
5,37
